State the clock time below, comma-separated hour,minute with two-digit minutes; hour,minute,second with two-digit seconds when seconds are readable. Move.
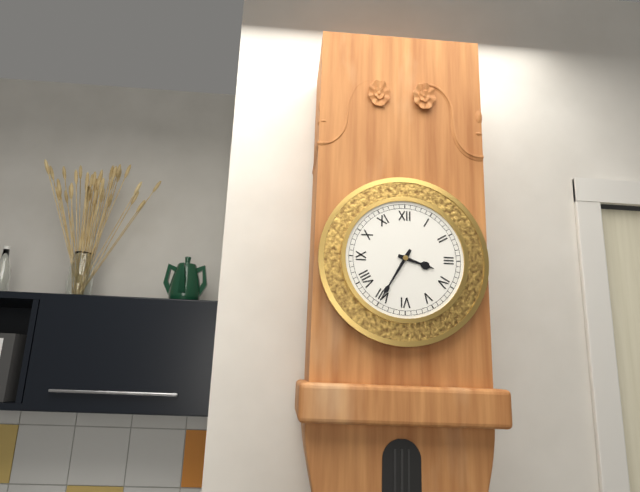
3,35
